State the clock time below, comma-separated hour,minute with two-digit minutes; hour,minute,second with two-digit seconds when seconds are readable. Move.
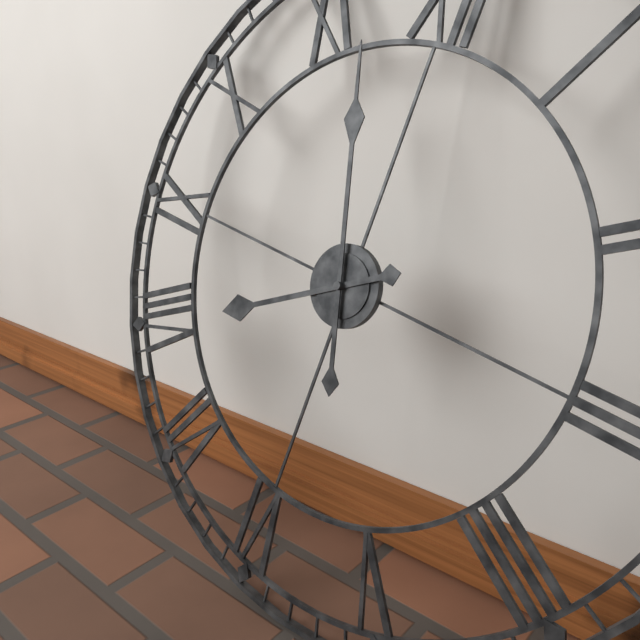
7,57
